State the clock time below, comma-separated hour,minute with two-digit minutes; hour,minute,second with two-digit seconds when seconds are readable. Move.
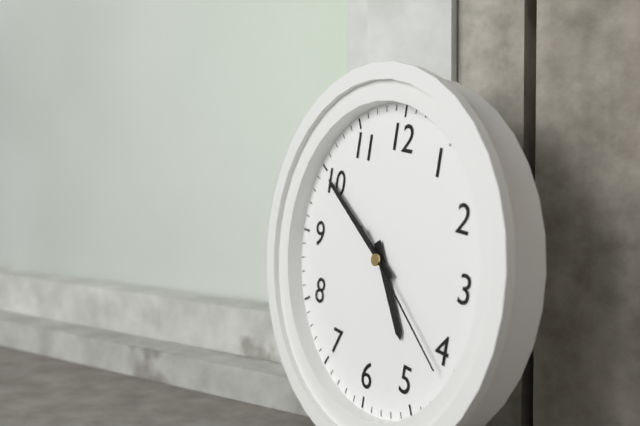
4,50,21
